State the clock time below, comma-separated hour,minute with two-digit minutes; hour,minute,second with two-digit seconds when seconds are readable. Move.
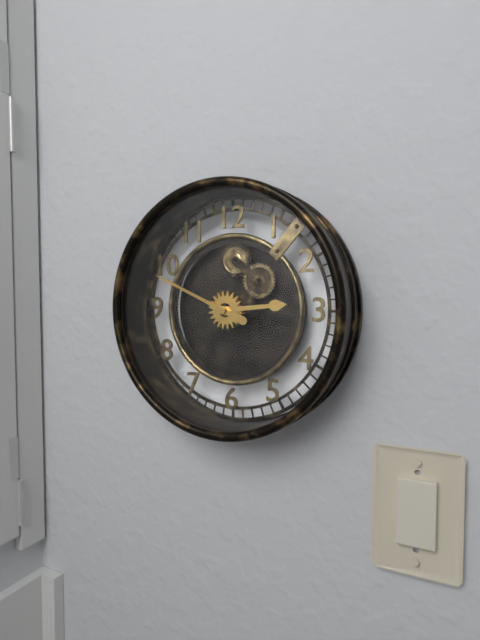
2,49
